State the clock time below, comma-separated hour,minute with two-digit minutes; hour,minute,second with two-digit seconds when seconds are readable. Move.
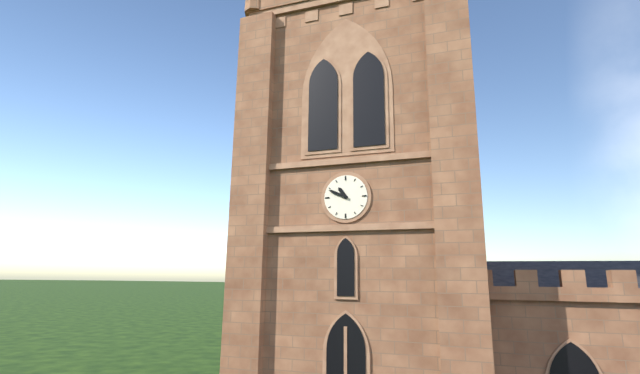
10,49
